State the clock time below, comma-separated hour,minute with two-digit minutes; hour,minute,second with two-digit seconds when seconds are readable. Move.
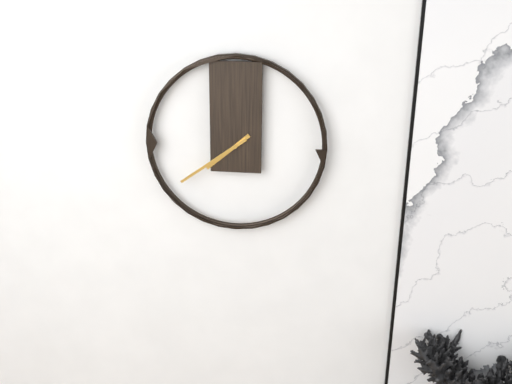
7,39
